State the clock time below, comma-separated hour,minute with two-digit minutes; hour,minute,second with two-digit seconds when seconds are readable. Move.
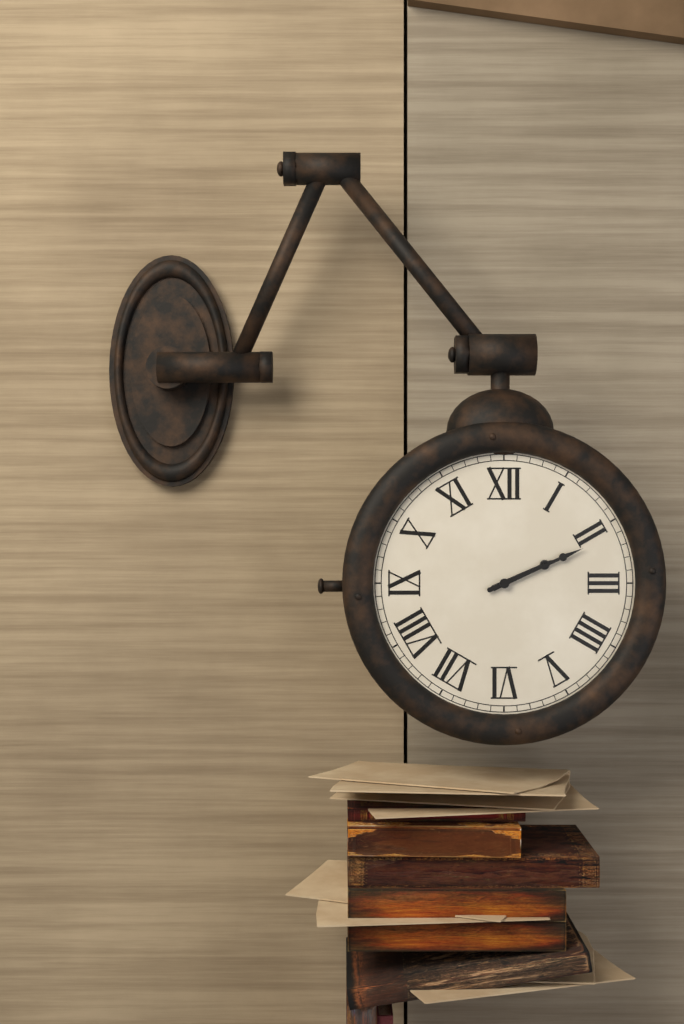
2,11
